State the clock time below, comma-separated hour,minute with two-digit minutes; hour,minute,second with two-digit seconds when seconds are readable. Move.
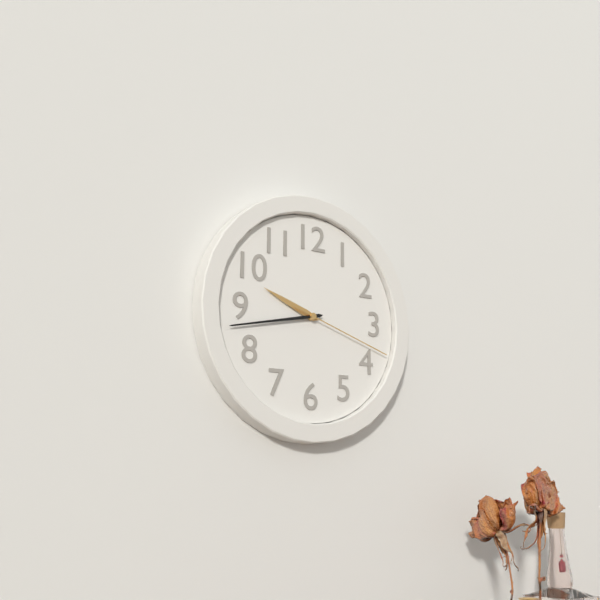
9,43,18
